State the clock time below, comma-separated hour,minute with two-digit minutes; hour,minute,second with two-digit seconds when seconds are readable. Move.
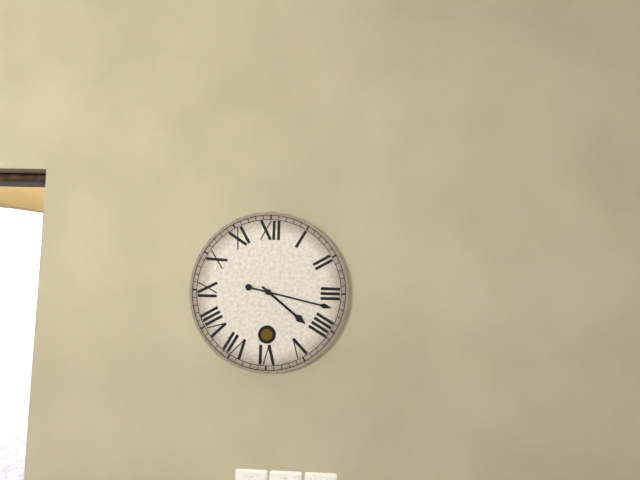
4,17
